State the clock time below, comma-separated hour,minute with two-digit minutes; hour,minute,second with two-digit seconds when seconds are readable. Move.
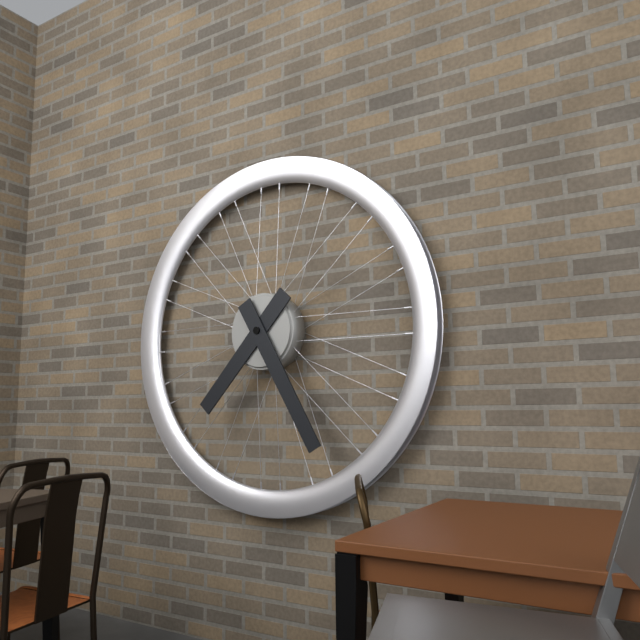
7,25
